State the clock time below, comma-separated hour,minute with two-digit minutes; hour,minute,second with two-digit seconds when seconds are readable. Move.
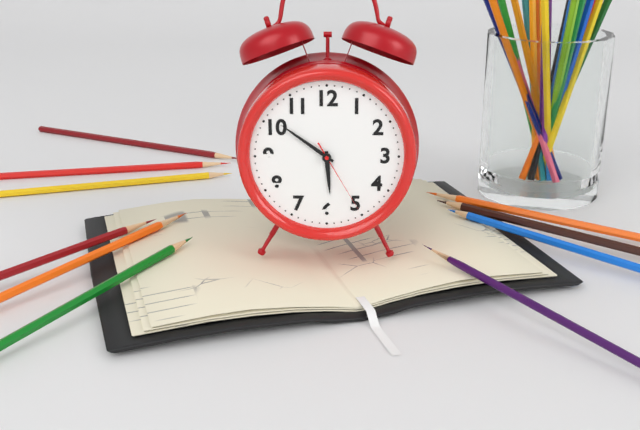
5,51,25
